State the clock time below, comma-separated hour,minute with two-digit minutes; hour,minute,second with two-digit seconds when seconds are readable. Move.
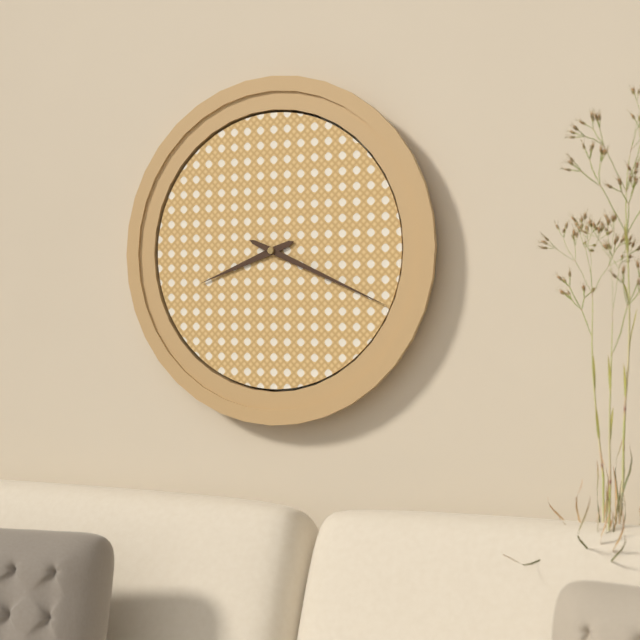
8,19
